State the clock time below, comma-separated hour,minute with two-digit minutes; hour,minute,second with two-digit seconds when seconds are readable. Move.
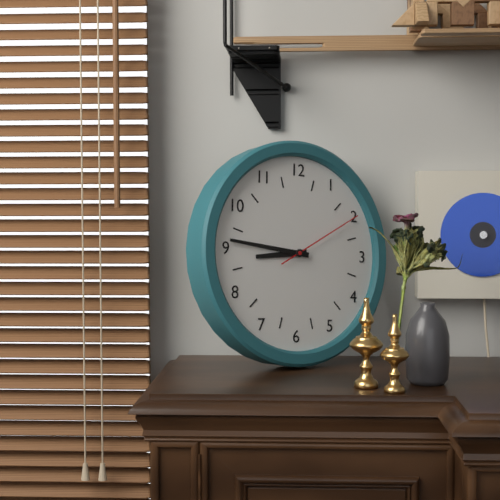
8,46,10
